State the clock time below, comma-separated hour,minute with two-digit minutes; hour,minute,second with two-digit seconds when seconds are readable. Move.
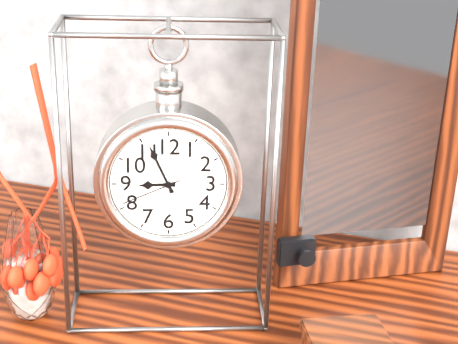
8,56,41
